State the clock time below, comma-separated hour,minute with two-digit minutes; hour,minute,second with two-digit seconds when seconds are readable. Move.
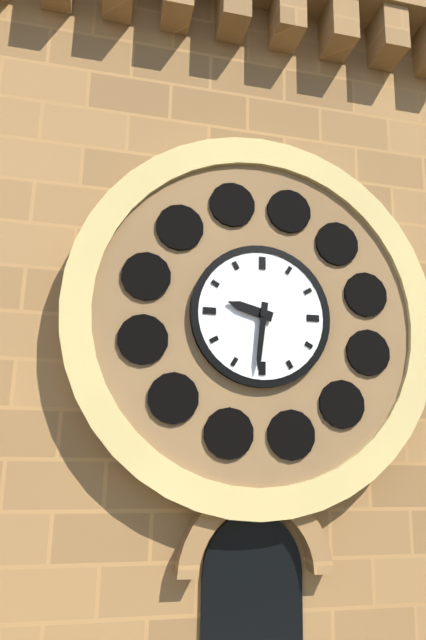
9,31
